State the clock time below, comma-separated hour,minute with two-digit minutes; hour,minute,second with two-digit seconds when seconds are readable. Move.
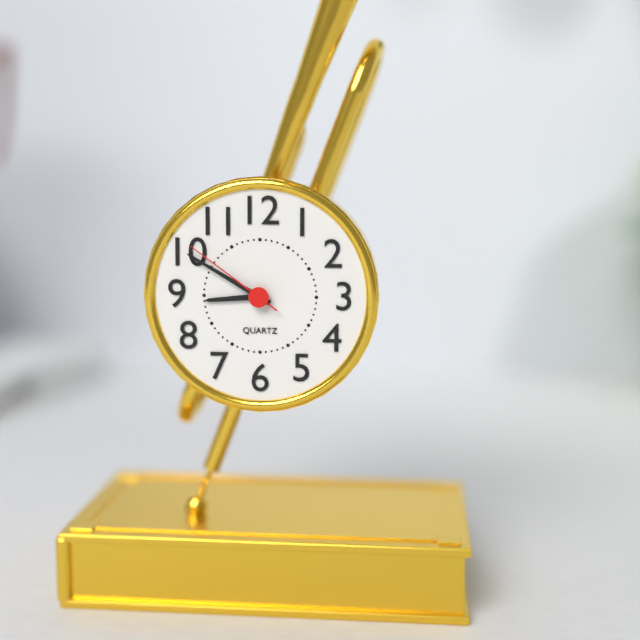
8,50,51
